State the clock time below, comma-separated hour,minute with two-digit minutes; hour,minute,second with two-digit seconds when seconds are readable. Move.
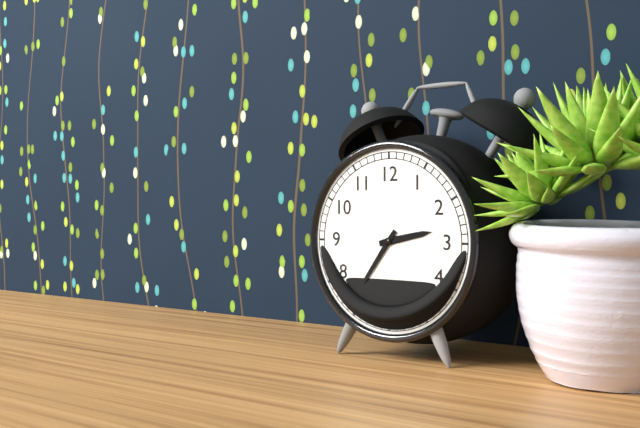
2,36
